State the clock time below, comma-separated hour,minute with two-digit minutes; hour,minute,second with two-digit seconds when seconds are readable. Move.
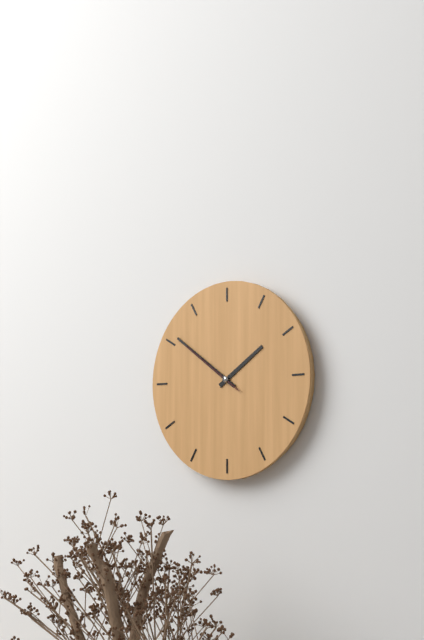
1,51,51
